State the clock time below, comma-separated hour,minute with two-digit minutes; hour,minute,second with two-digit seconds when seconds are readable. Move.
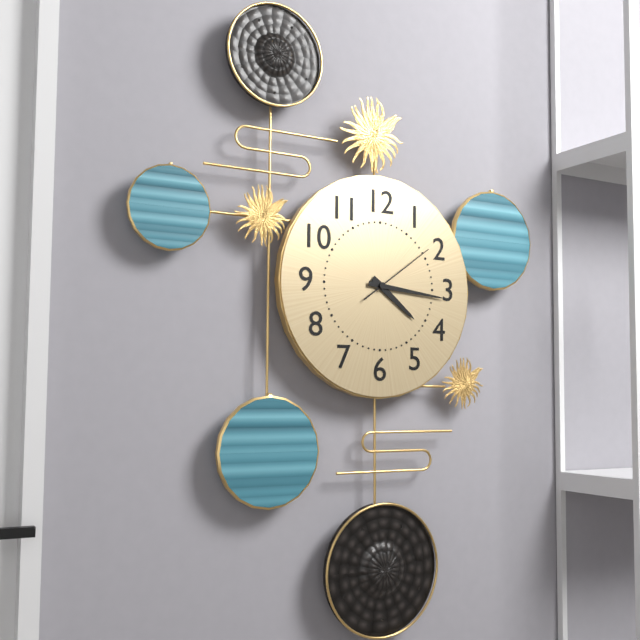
4,16,09
